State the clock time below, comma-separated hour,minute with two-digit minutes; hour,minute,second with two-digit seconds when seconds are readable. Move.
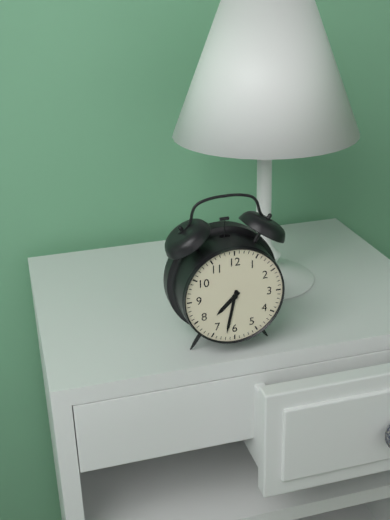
7,32
